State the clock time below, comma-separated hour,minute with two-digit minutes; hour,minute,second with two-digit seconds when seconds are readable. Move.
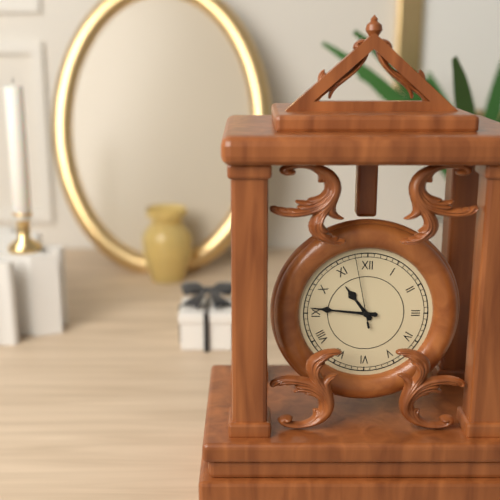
10,46,58
